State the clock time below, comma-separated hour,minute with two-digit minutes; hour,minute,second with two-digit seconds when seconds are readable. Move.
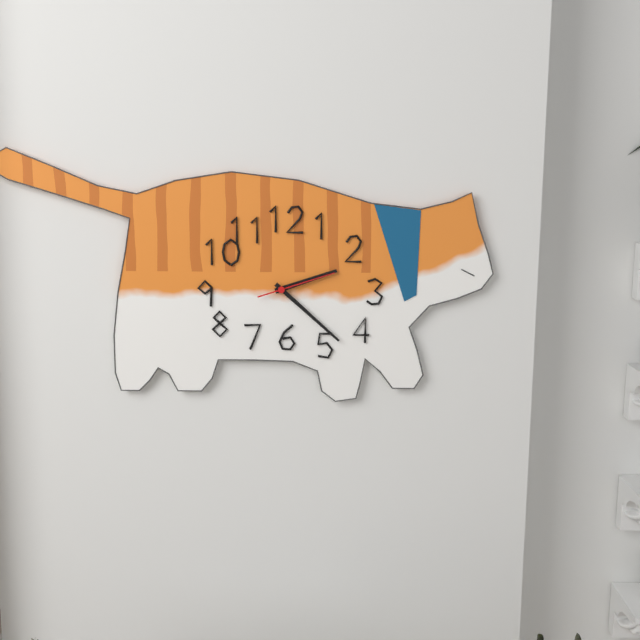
2,22,12
